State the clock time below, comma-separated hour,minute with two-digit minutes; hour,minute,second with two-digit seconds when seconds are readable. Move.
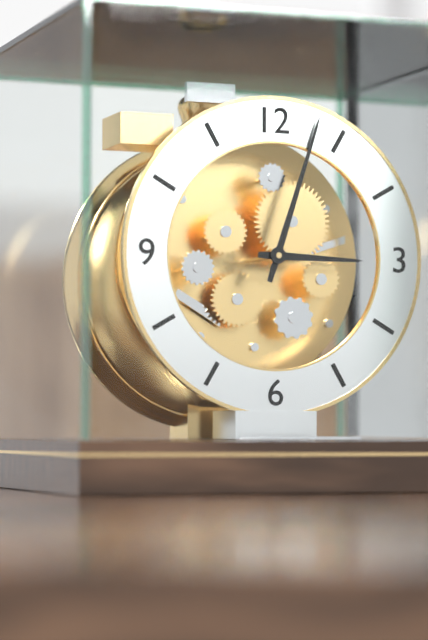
3,03
